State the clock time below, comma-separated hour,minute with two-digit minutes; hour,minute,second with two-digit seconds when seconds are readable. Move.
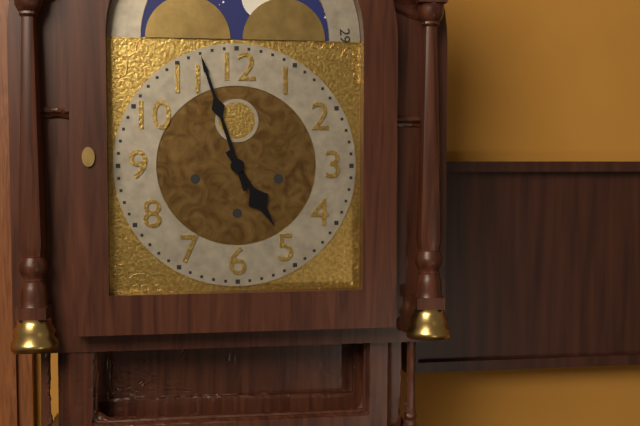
4,57
